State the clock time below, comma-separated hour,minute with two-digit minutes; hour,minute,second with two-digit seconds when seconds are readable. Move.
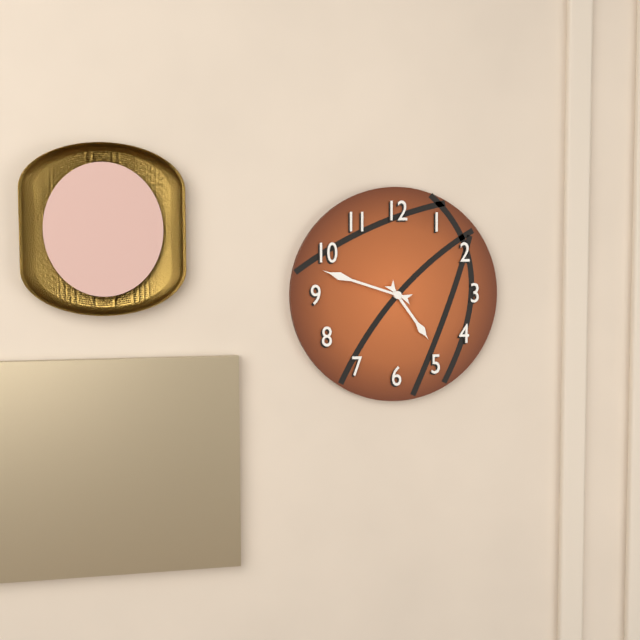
4,48
